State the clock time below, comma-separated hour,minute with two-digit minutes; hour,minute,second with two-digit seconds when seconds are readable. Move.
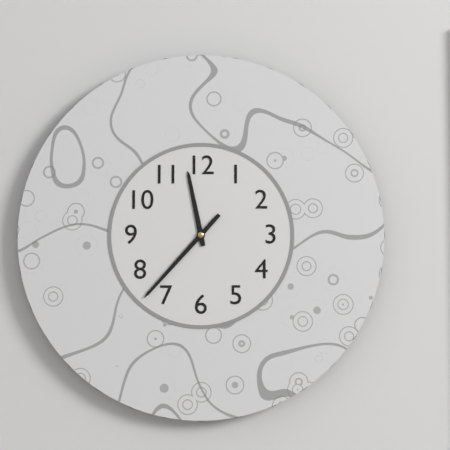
11,37
